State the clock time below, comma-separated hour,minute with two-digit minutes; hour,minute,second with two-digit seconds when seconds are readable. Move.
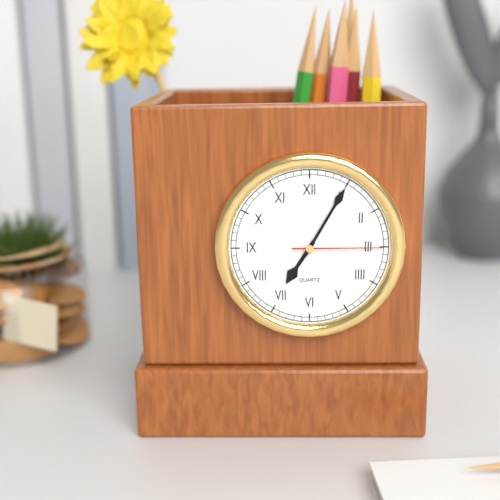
7,05,15
